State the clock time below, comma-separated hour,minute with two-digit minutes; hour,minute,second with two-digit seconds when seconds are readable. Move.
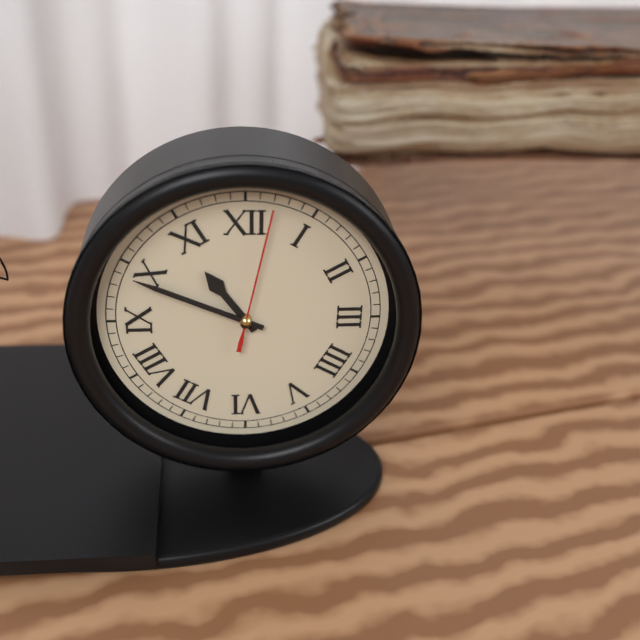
10,49,02
